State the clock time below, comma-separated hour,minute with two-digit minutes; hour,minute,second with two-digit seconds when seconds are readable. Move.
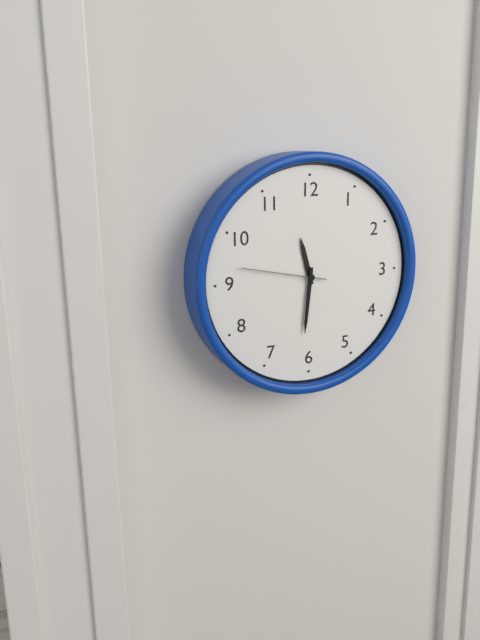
11,31,47
